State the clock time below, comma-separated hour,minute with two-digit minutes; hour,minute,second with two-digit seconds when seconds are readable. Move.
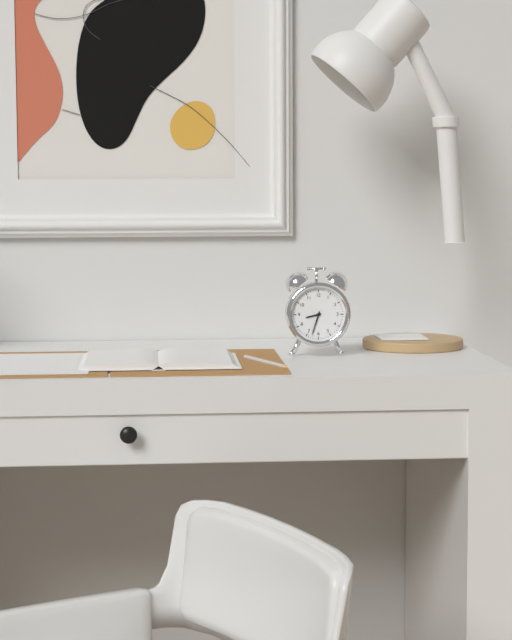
8,33
